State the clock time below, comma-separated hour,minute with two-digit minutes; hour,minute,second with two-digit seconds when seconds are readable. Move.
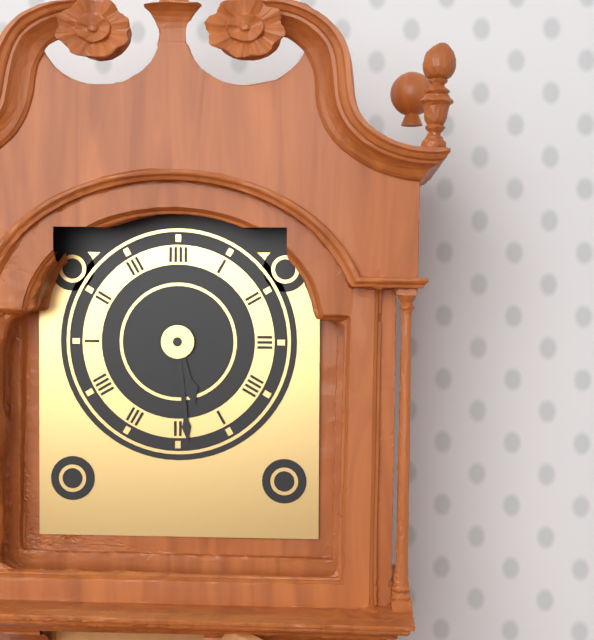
5,29
